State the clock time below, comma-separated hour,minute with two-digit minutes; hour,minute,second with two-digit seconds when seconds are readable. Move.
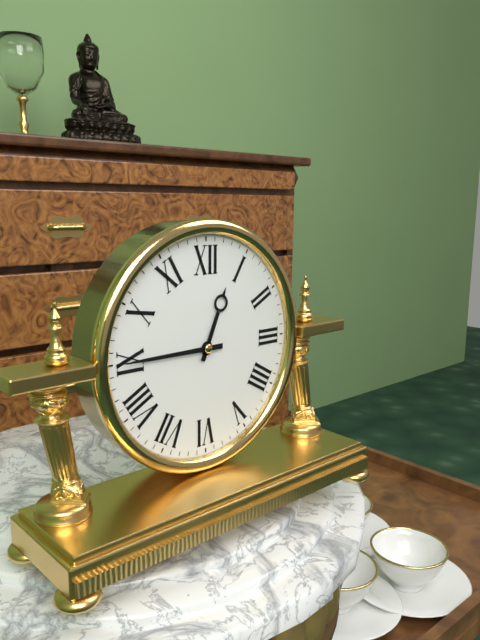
12,45
